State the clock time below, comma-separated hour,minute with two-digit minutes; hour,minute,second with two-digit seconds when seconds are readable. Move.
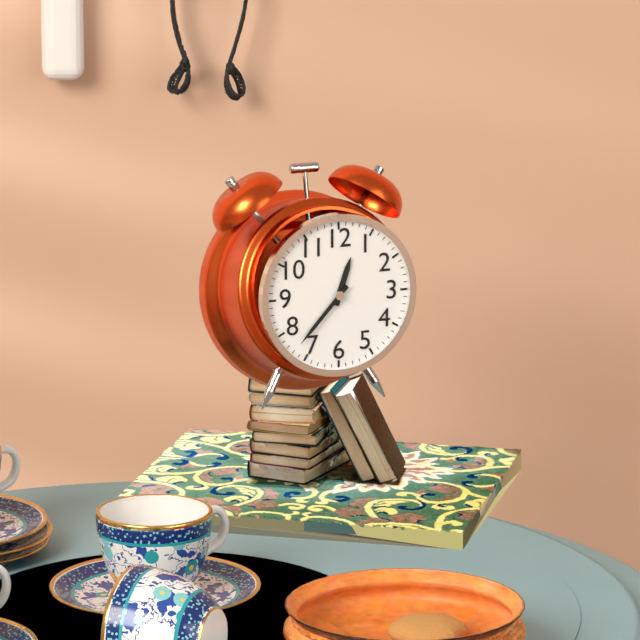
12,37
